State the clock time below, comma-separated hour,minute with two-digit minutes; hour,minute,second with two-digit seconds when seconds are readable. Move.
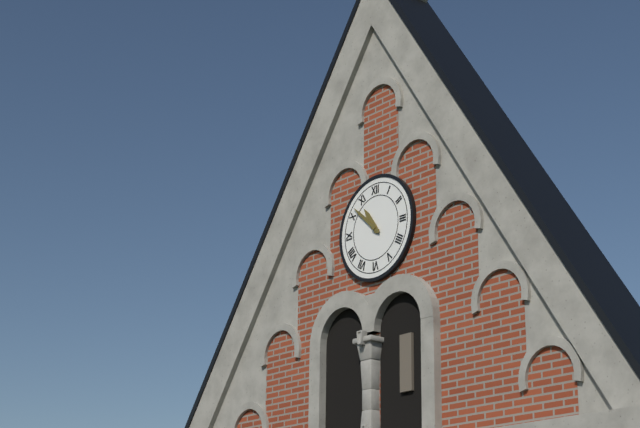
10,52
